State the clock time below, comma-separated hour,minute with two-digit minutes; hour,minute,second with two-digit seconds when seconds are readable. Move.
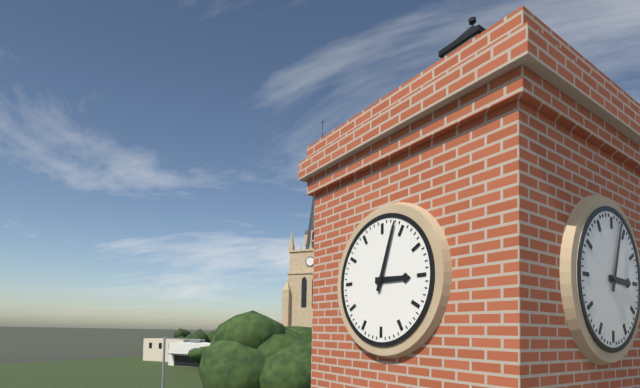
3,03
